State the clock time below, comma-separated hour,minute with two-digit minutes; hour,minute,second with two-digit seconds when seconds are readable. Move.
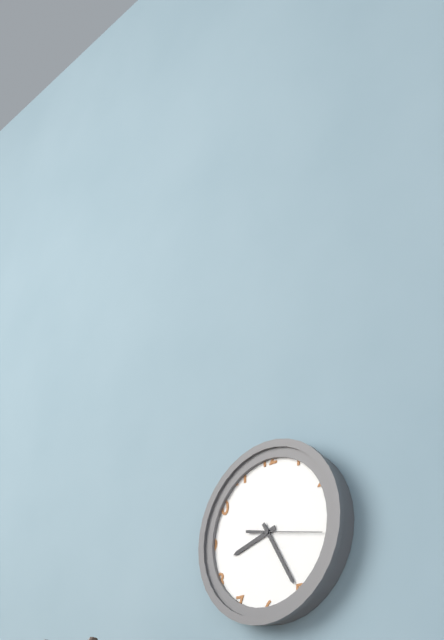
8,25,17
